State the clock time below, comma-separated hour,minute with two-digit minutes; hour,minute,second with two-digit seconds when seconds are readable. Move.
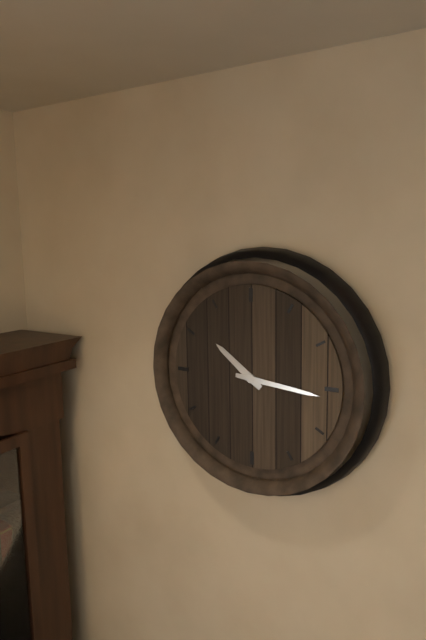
10,16
